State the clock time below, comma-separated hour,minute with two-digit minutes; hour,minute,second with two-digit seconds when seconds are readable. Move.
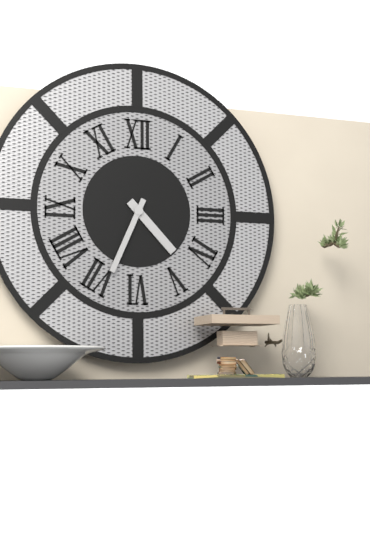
4,34
